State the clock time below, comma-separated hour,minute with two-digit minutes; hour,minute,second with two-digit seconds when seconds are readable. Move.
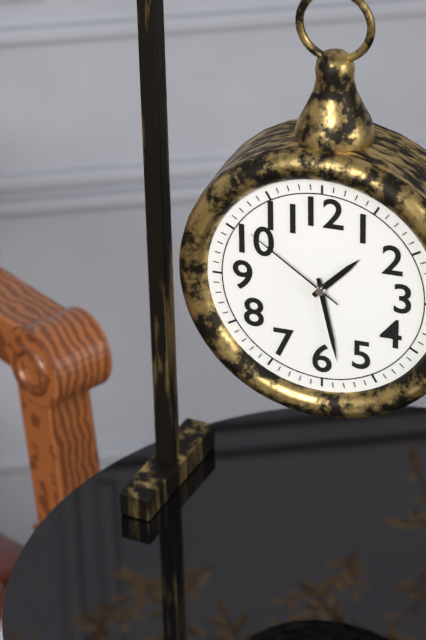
1,28,51
